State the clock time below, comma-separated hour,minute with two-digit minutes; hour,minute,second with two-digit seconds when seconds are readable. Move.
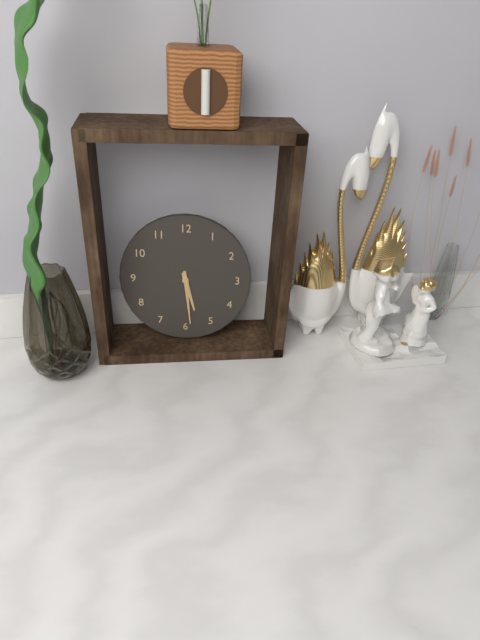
5,29
